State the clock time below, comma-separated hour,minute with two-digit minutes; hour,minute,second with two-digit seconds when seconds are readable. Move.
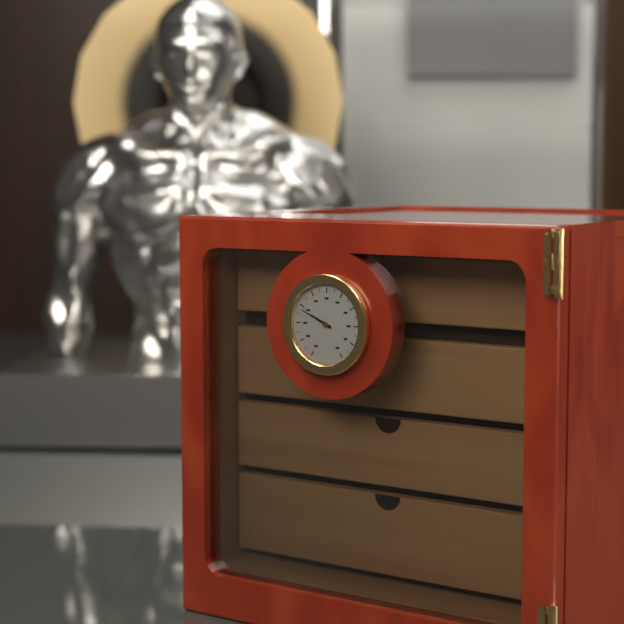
9,49
